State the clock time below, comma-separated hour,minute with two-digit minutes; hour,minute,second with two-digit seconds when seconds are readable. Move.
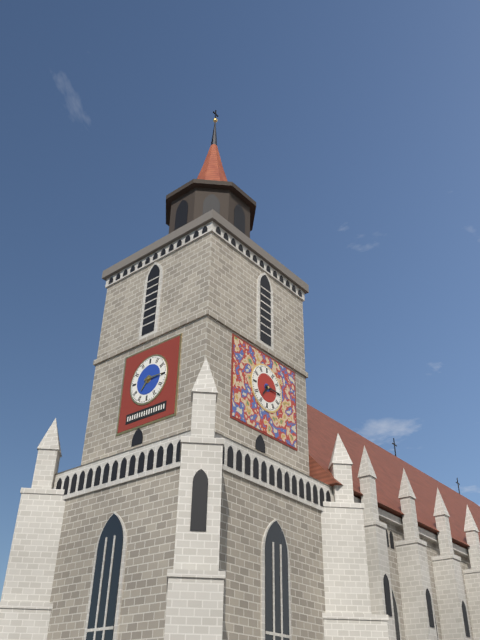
7,15
